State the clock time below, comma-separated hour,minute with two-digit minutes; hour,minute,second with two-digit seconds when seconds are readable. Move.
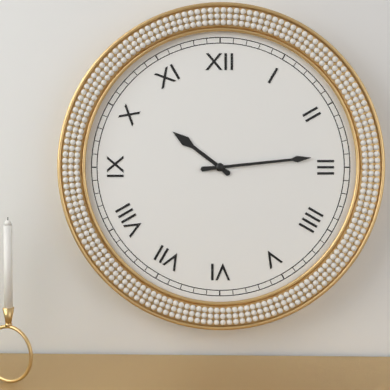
10,14
